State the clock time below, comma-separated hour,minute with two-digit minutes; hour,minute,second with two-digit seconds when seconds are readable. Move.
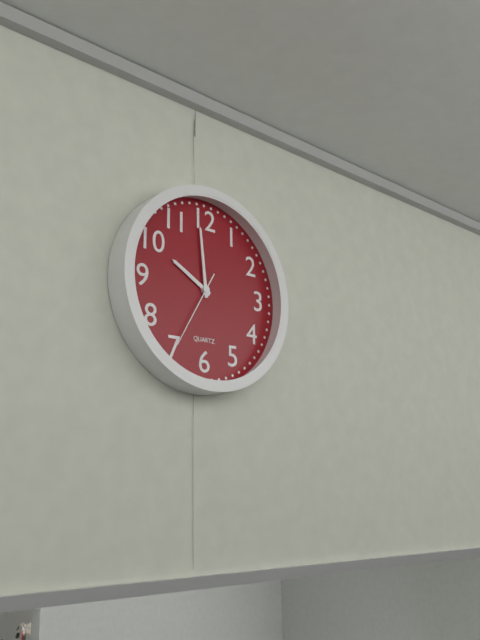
9,59,35
